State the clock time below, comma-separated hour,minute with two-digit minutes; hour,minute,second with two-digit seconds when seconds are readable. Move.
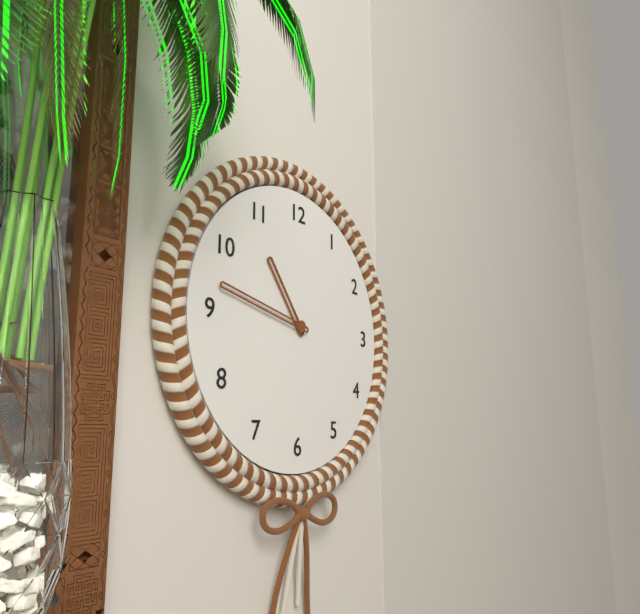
10,47
